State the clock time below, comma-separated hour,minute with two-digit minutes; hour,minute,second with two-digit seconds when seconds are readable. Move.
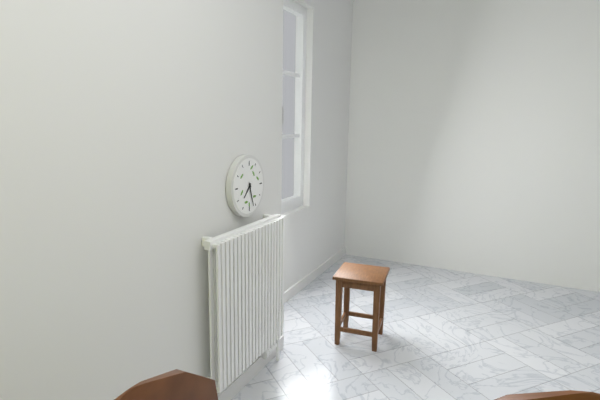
7,27
